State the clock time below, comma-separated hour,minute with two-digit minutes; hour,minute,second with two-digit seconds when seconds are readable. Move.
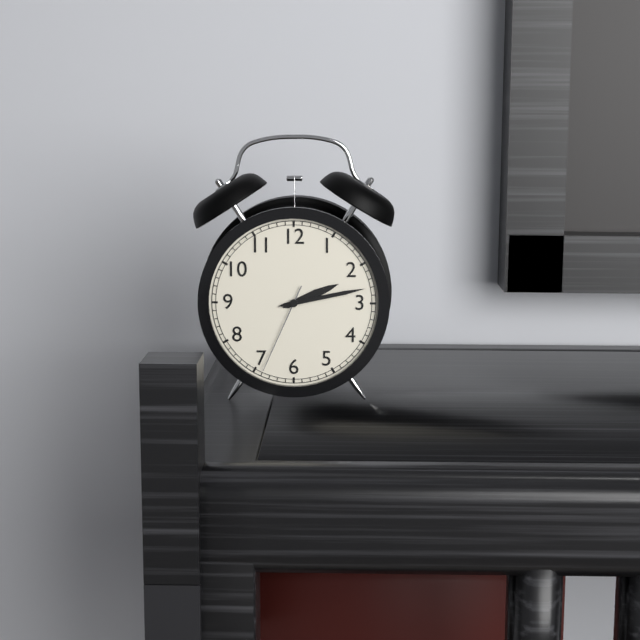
2,13,34
